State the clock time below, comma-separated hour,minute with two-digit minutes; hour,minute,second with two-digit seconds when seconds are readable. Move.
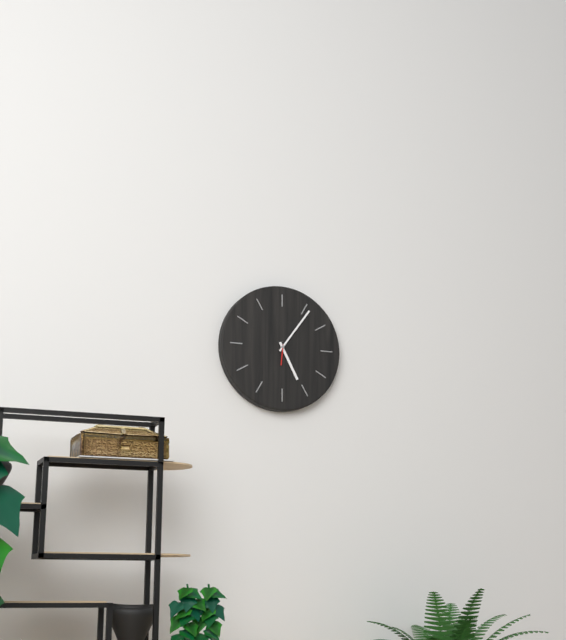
5,06
